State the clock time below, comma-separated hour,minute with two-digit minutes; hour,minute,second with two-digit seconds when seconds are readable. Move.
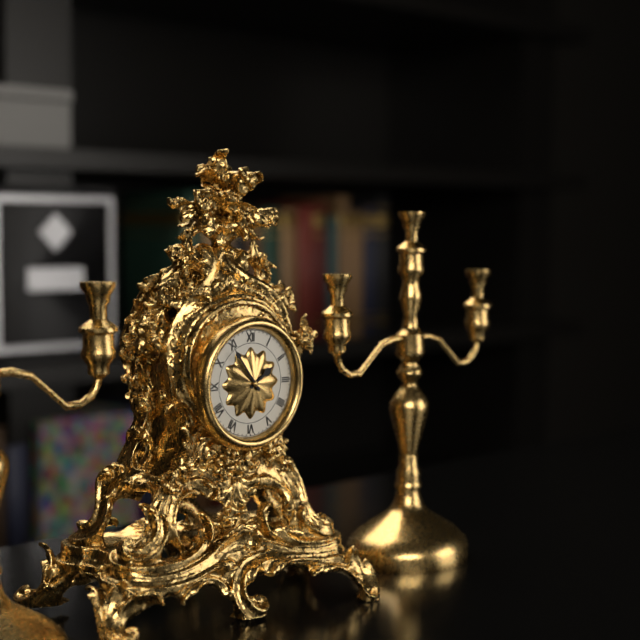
1,54
